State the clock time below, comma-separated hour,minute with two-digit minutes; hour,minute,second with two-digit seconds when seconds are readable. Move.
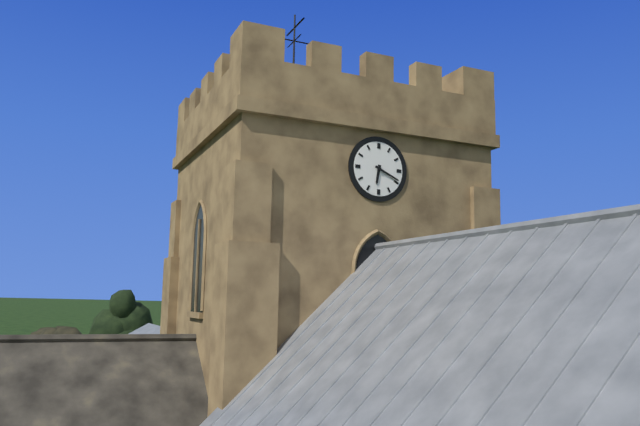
6,19
